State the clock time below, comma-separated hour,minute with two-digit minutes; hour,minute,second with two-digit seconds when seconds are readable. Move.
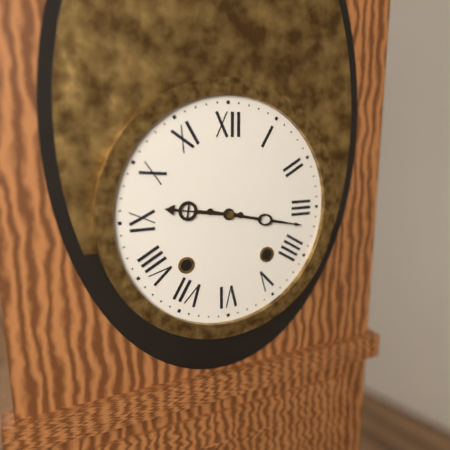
9,17
